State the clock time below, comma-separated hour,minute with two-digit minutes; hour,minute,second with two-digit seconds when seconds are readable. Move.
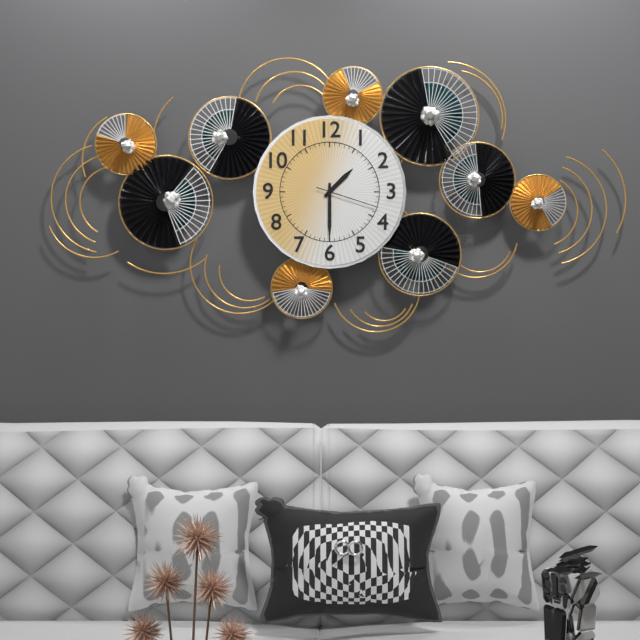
1,30,18
